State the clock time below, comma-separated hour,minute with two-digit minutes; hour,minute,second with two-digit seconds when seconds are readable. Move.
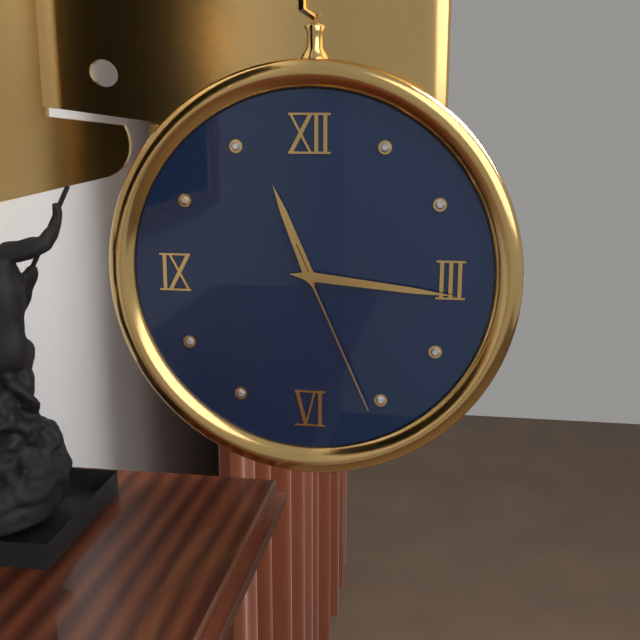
11,16,26
